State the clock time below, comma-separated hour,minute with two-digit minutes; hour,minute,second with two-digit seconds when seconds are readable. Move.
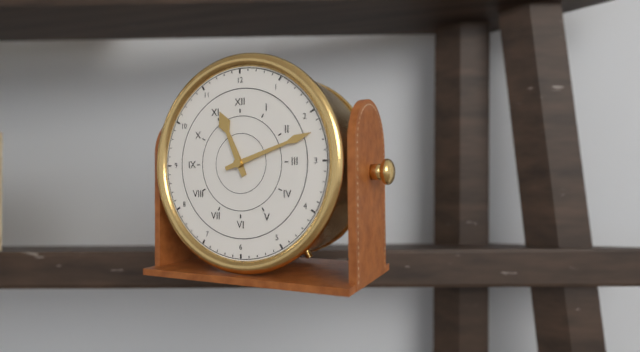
11,12
